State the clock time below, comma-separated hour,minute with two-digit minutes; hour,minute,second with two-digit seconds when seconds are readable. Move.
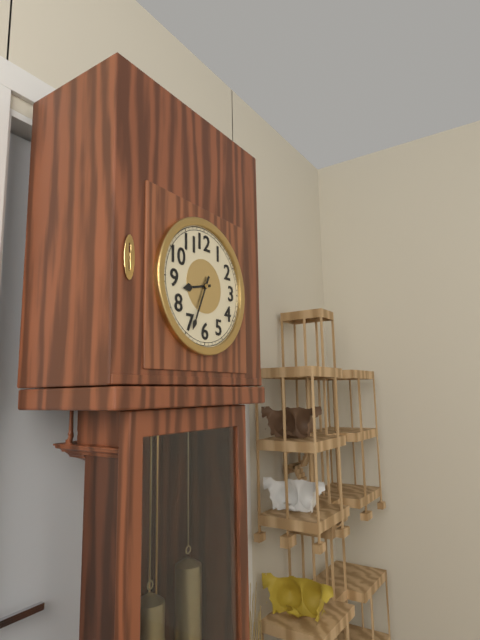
8,34
